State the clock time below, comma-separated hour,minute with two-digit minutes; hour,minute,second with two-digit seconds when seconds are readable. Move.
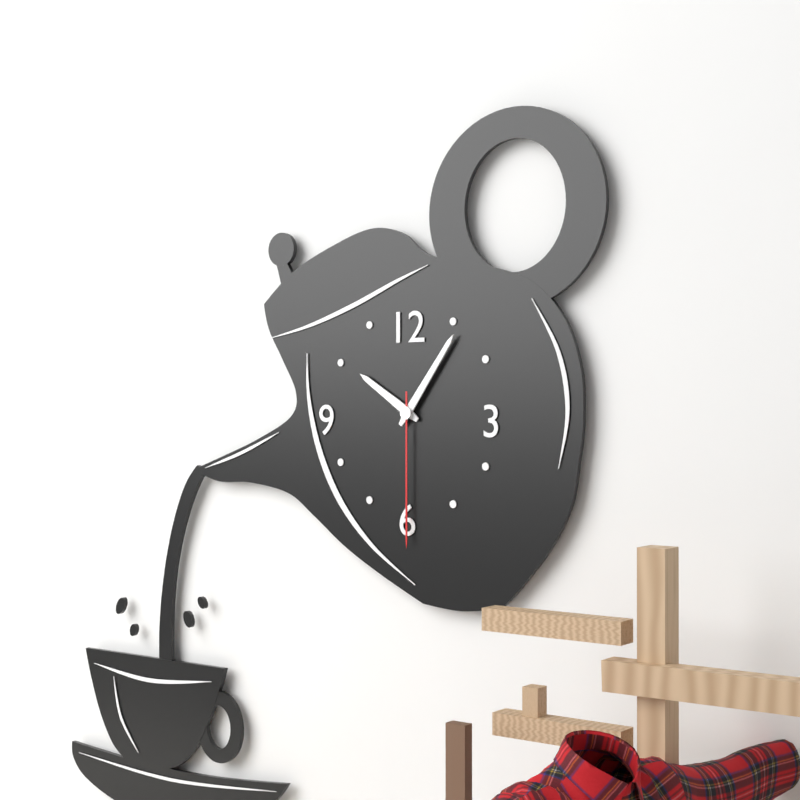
10,06,30
